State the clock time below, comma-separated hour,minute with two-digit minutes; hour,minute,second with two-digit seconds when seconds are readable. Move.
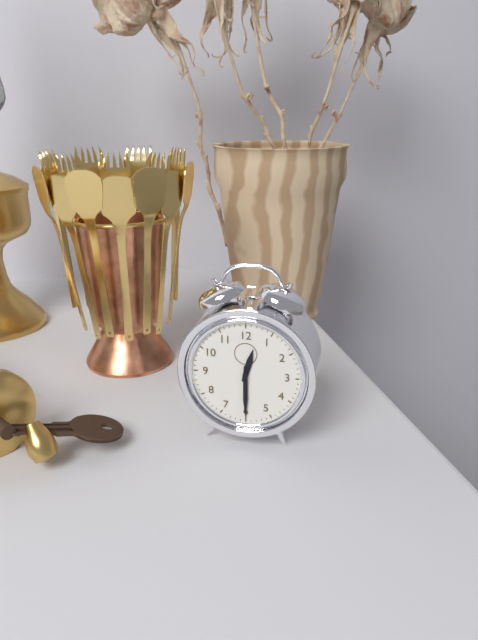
12,30
